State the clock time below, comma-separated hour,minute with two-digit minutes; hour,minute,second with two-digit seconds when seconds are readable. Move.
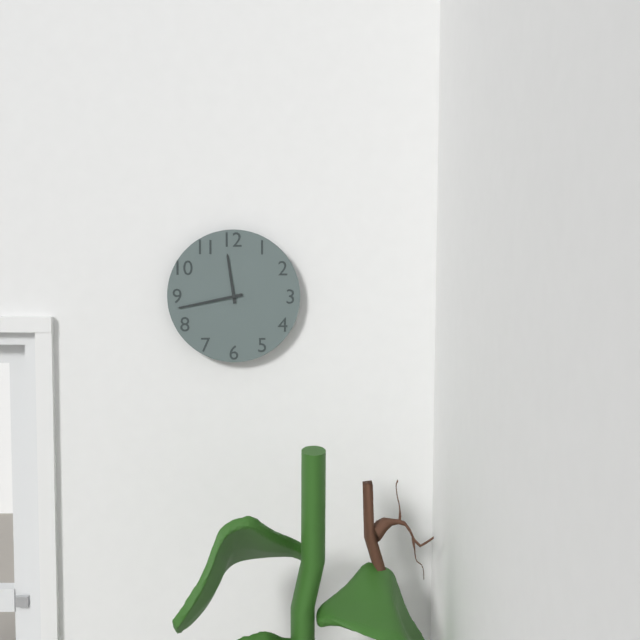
11,43
